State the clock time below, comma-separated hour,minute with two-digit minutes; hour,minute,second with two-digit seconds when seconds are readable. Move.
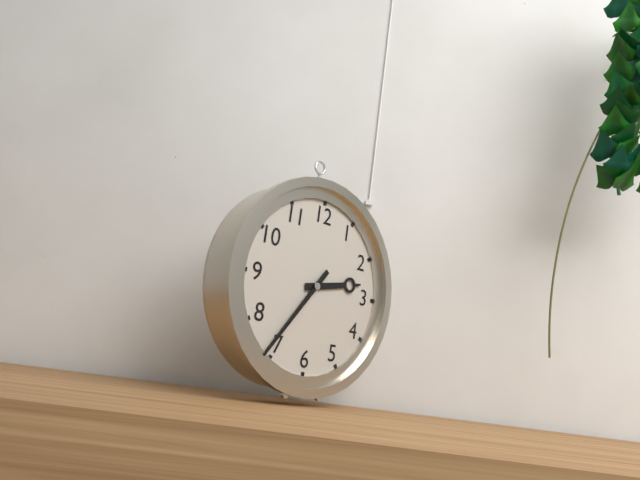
2,36
